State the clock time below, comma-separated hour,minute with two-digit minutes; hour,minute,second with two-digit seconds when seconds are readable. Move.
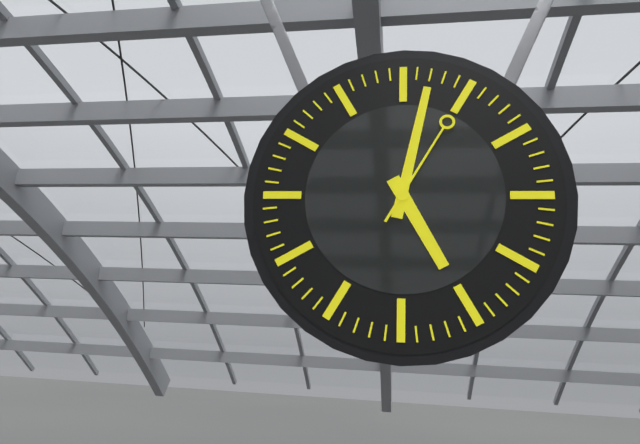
5,02,05
